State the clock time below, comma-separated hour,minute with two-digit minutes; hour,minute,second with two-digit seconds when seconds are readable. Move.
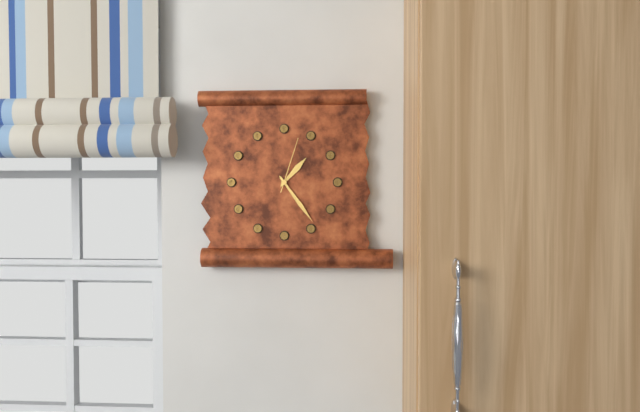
1,24,03
